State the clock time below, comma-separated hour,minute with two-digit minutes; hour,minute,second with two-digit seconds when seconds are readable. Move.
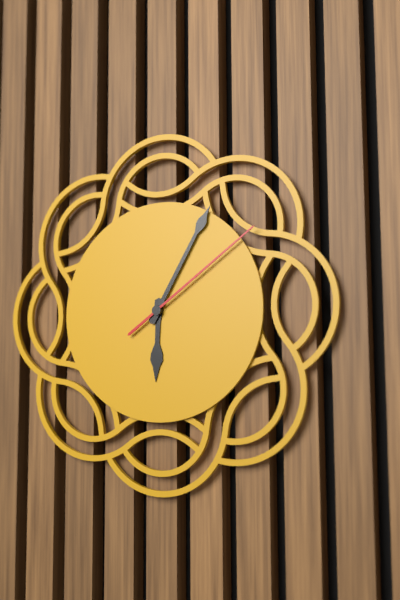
6,05,09
